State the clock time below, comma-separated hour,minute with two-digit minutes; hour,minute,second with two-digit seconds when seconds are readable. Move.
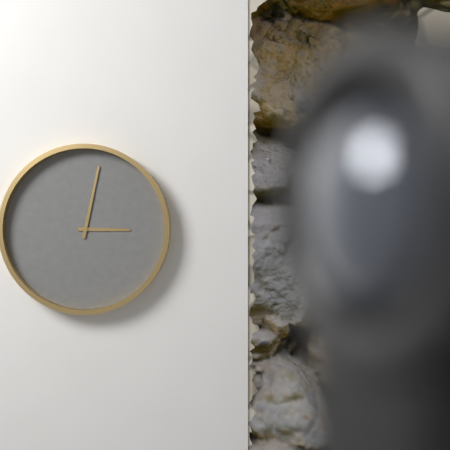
3,02
